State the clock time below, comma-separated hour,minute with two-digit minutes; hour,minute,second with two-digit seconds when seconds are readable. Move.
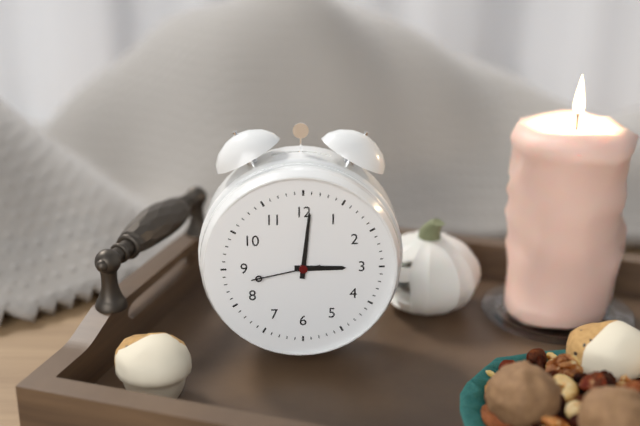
3,01,43
